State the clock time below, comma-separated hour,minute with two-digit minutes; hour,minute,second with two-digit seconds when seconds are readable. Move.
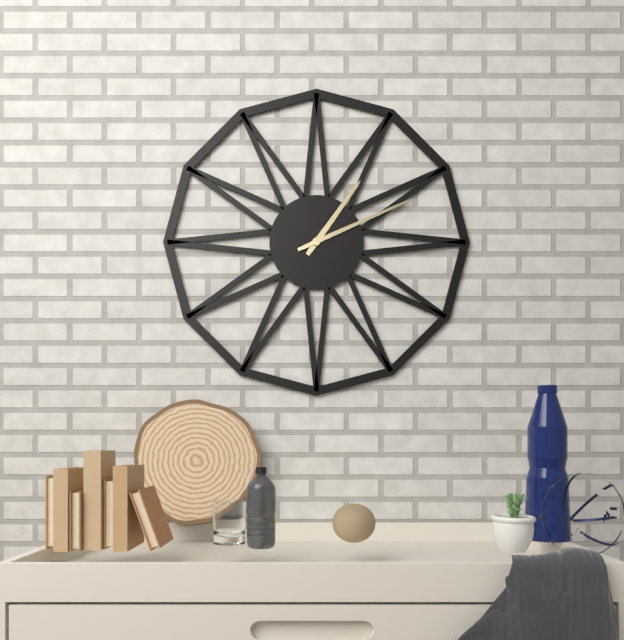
1,11
